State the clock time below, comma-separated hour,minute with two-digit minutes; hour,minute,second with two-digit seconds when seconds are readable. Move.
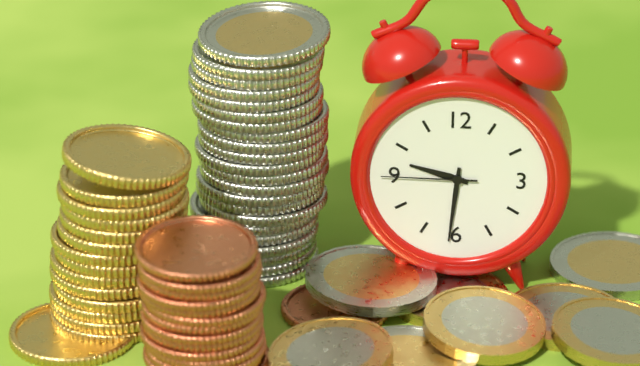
9,31,45
